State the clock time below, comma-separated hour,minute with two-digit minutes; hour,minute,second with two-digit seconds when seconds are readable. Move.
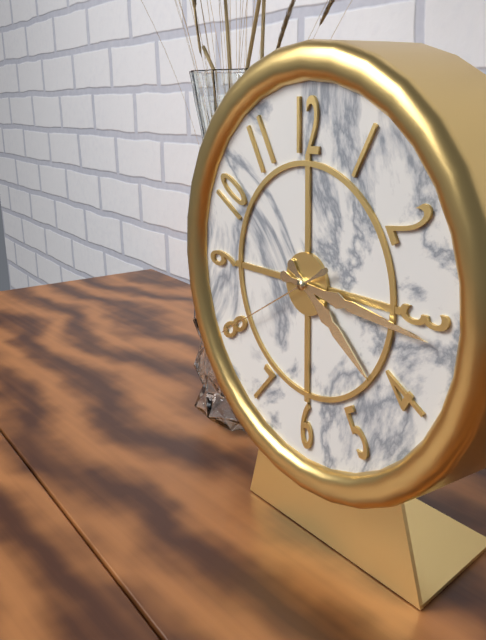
4,16,40
